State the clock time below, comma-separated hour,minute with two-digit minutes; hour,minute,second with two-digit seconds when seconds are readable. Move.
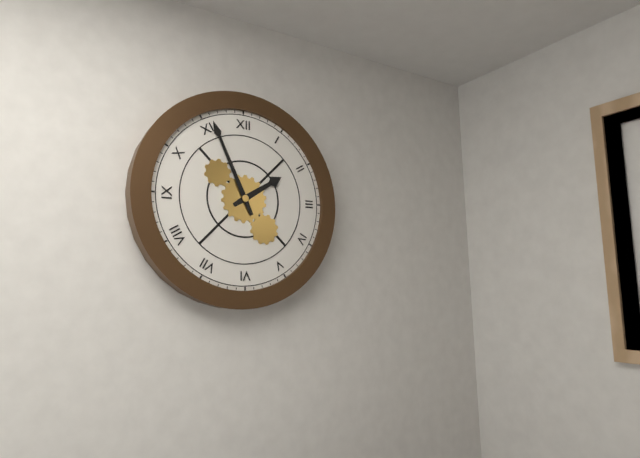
1,56
